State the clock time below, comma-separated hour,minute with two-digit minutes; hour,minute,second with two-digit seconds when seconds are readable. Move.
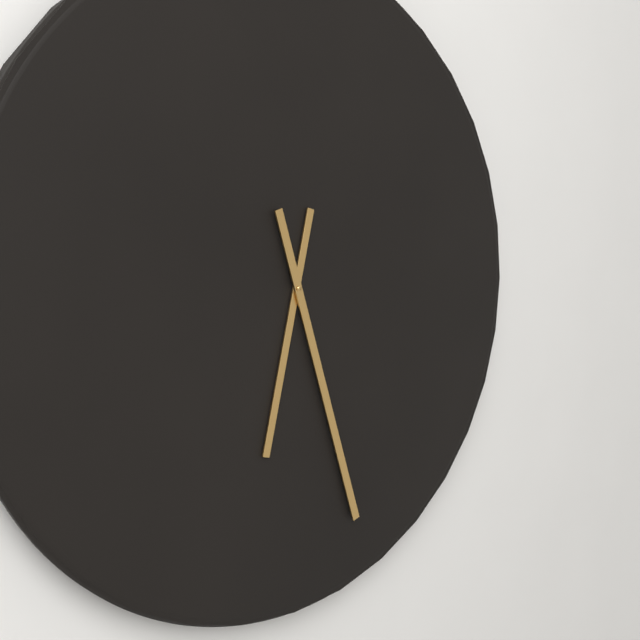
6,27
